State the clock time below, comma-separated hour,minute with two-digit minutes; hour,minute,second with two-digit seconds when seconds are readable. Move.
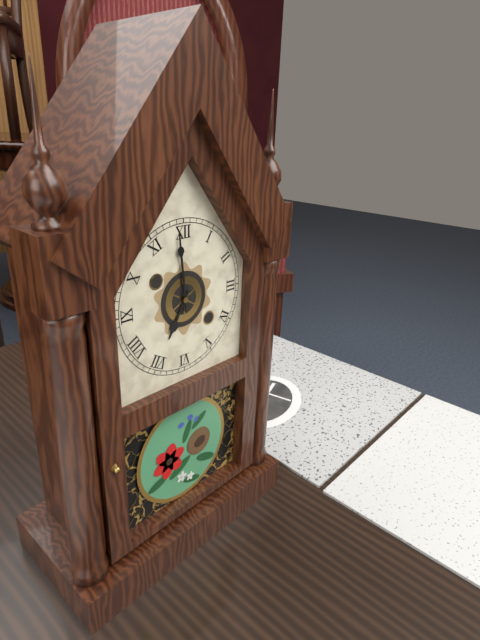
6,59
